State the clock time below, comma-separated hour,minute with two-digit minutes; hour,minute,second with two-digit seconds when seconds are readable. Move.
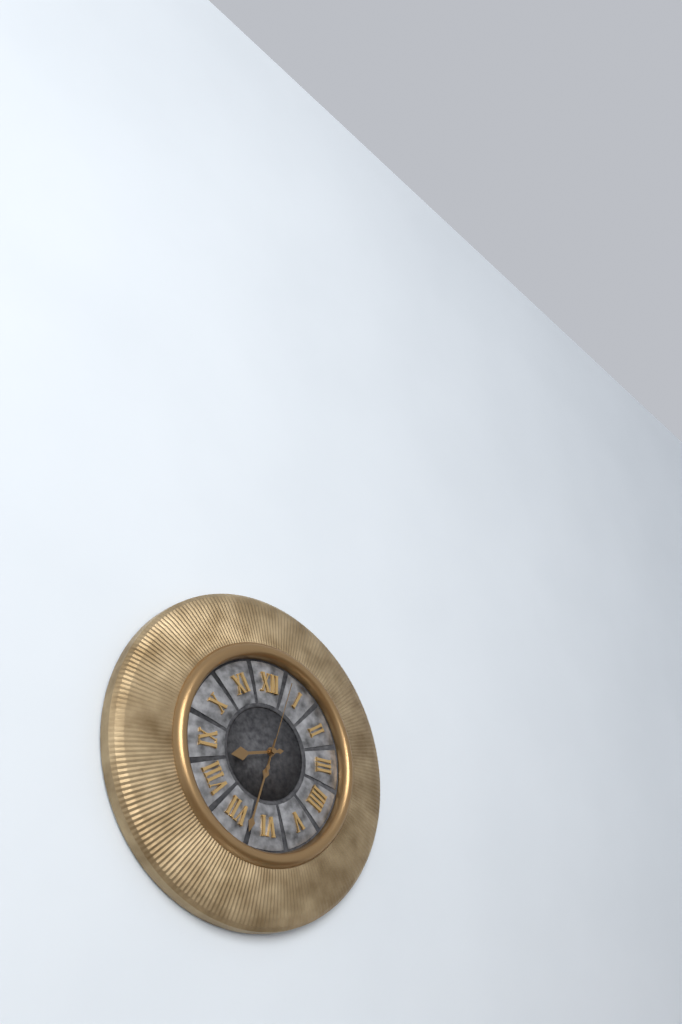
8,33,03
